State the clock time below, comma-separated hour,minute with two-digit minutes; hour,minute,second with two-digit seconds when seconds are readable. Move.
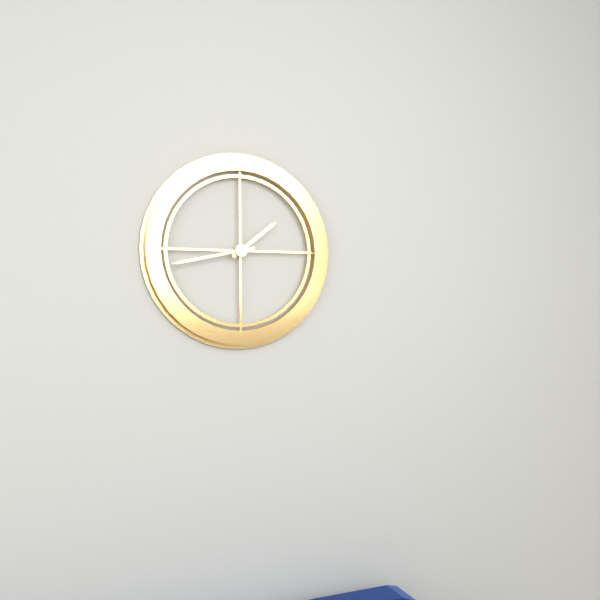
1,43
